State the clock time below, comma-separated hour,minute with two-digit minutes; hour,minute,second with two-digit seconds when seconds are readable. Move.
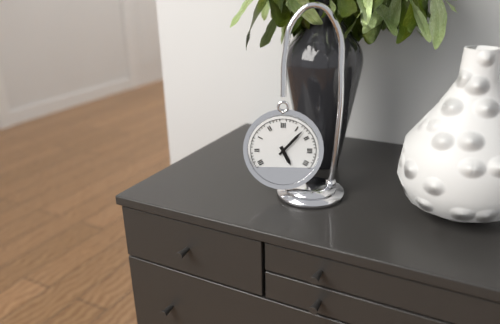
5,07
